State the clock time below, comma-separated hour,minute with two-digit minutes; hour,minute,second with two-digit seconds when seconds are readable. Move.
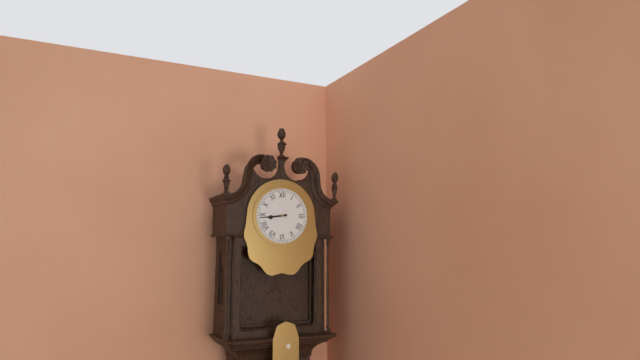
8,44
